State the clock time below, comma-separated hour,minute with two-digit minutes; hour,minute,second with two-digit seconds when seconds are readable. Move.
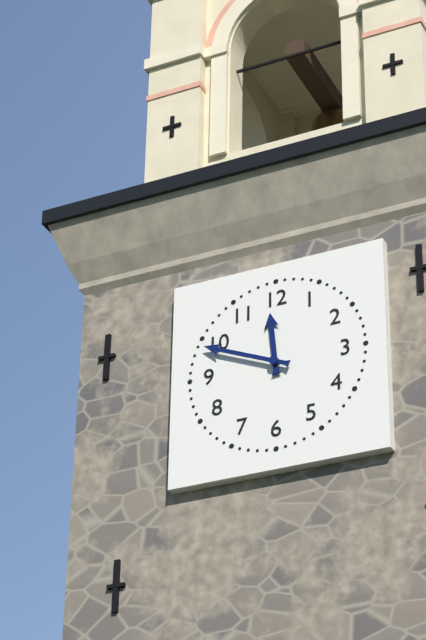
11,49
